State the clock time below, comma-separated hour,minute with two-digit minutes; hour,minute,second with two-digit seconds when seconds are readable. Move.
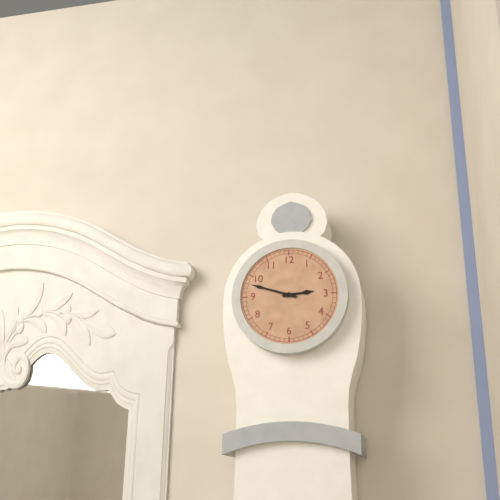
2,48
